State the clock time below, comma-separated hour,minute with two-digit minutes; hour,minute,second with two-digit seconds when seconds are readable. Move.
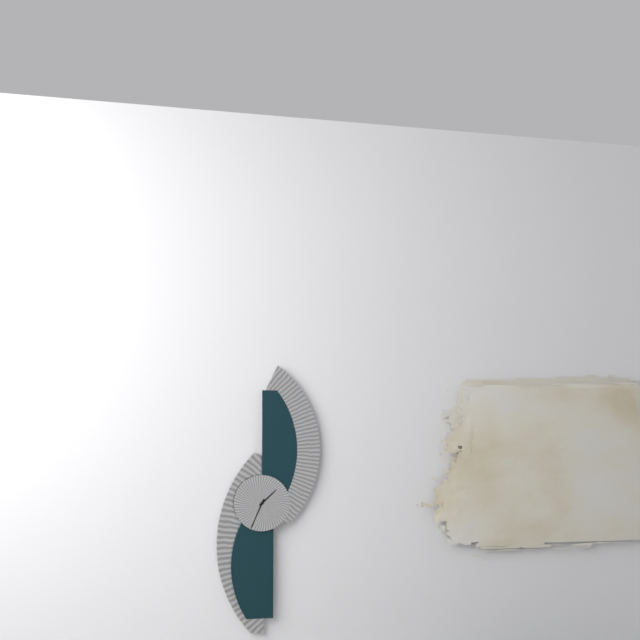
1,34
